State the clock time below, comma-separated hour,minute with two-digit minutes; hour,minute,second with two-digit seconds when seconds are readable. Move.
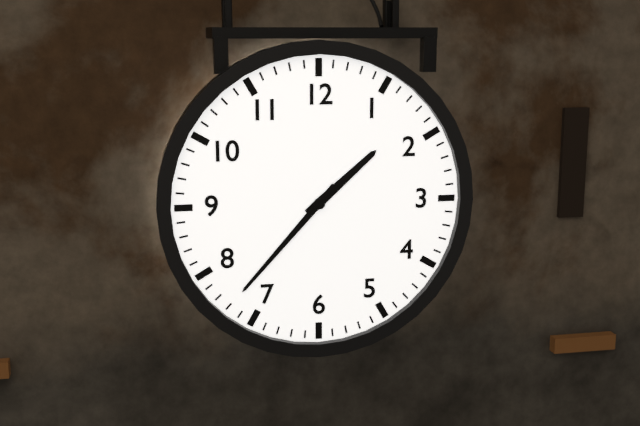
1,37
